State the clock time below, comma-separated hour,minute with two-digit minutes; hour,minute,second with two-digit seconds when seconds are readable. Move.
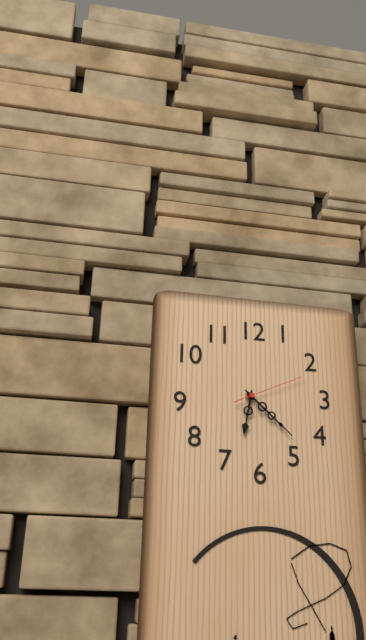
6,22,11
